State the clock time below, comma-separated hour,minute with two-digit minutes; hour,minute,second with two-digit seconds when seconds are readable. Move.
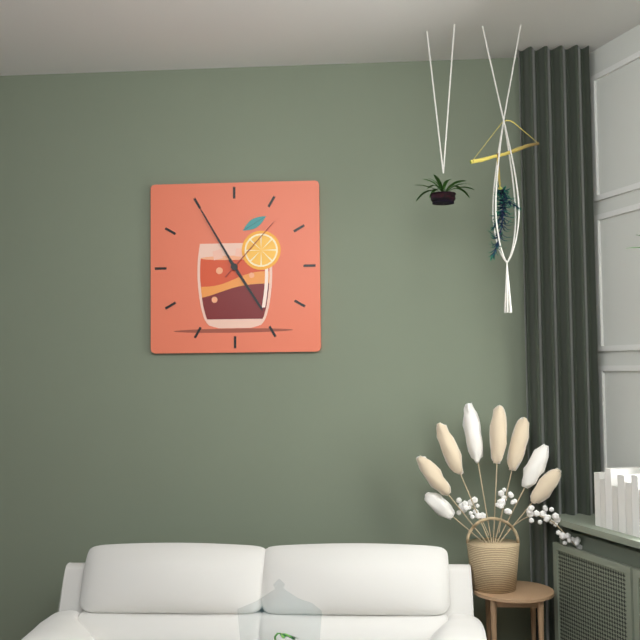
4,55,07
